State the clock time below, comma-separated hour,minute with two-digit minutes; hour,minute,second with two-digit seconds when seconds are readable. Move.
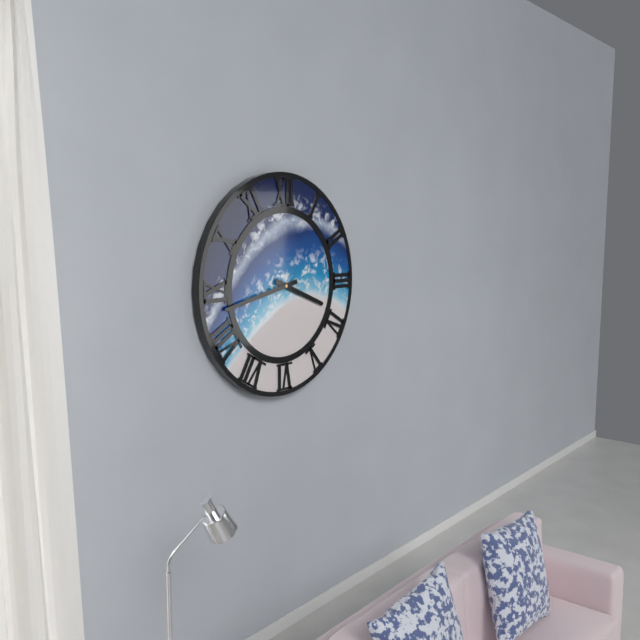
3,43
